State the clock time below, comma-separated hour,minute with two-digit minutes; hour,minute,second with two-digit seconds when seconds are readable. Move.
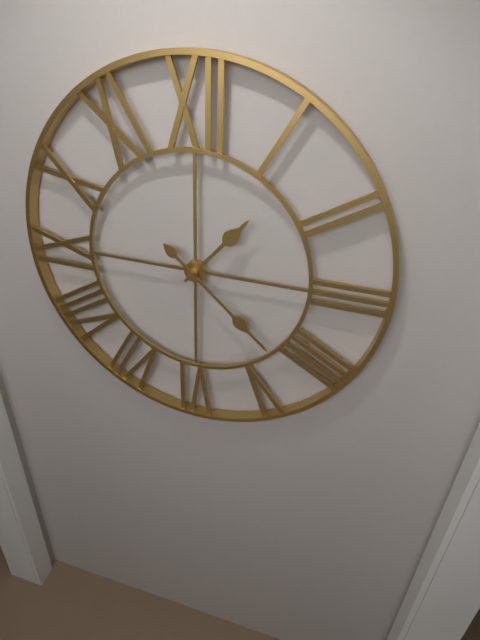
1,22
